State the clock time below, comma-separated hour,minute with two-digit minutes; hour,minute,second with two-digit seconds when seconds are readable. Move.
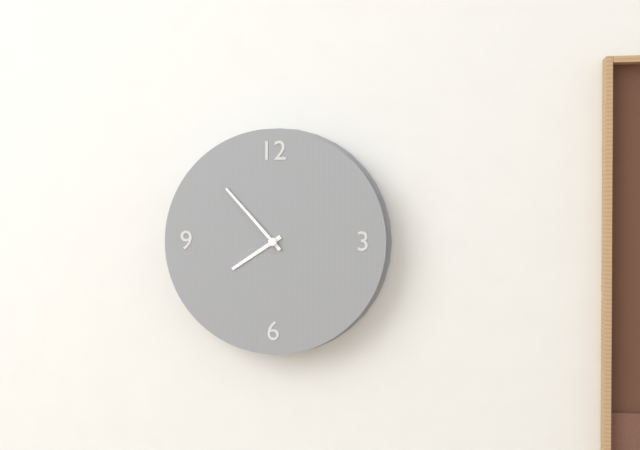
7,53
